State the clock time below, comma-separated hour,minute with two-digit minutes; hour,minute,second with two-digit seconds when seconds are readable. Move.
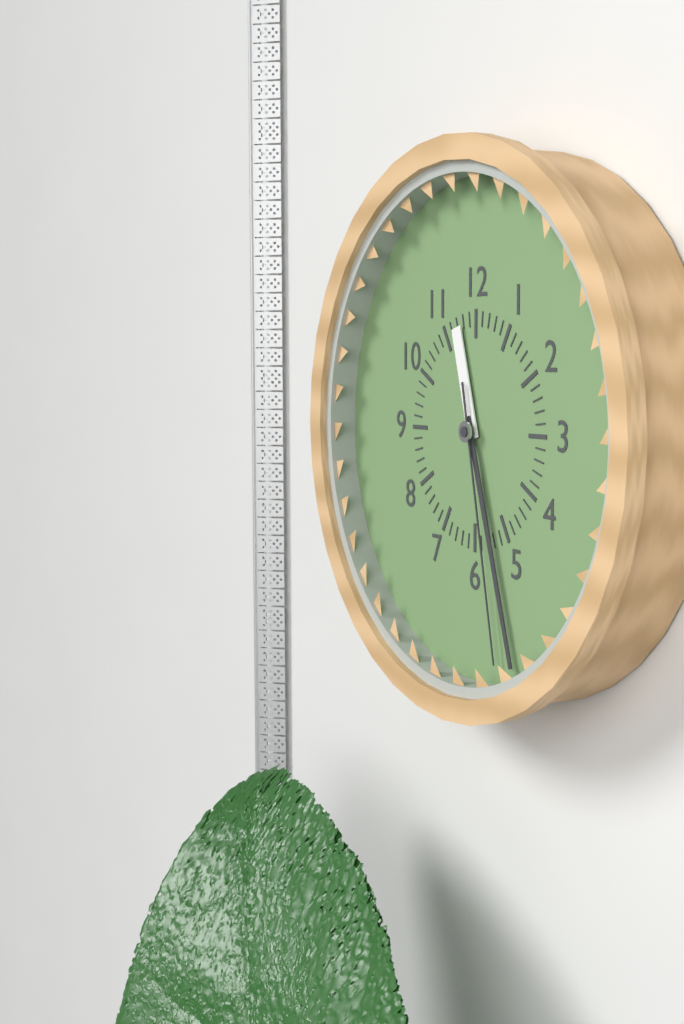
11,27,28
